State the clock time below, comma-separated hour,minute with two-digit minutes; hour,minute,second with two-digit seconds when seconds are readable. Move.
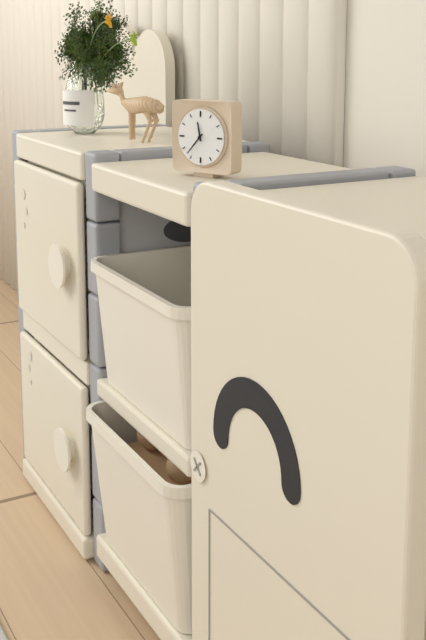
11,37
